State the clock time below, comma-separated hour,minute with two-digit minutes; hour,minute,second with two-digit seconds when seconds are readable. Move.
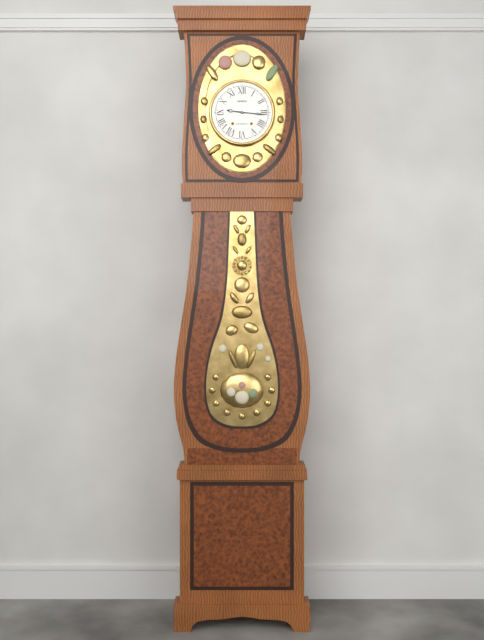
9,16
